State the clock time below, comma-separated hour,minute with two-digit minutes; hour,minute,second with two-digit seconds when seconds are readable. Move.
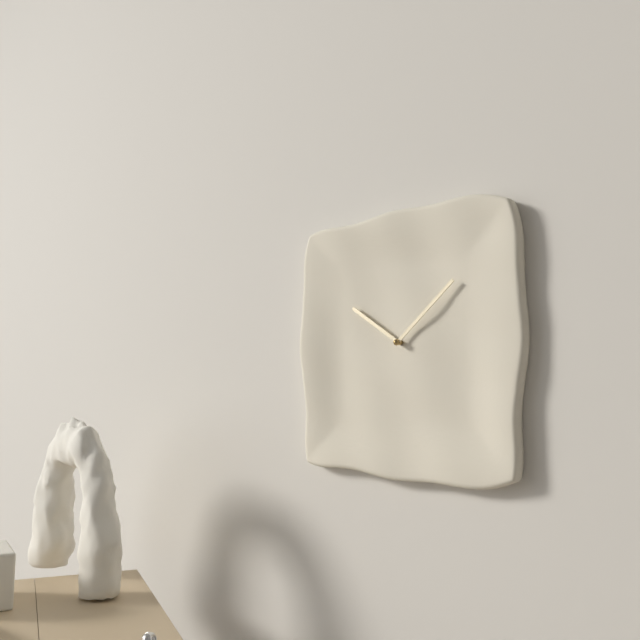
10,08
